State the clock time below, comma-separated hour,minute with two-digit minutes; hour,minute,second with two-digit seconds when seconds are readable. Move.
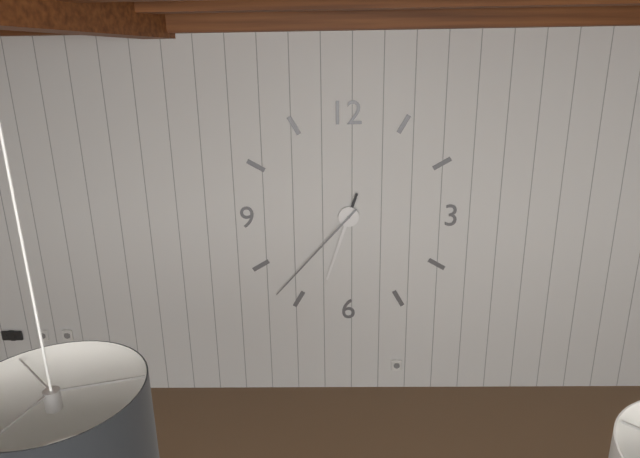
6,37
